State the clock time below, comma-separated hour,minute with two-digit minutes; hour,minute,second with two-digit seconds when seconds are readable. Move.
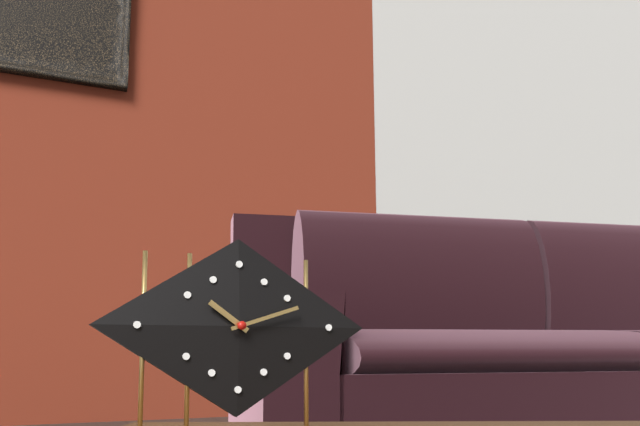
10,12
